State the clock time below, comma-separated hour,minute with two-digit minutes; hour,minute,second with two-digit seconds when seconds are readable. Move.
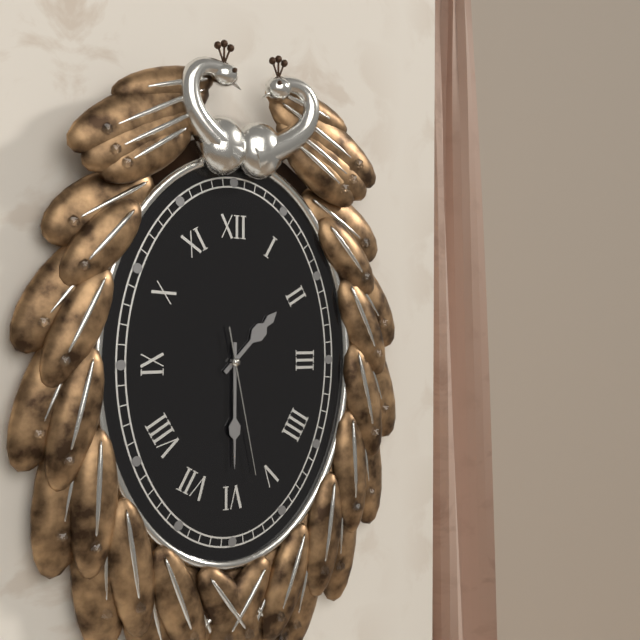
1,30,28
